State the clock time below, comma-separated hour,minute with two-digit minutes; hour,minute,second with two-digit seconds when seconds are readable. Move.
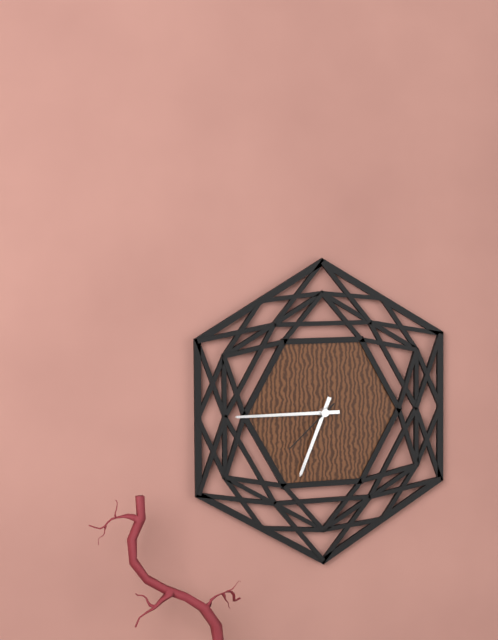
6,45,38
